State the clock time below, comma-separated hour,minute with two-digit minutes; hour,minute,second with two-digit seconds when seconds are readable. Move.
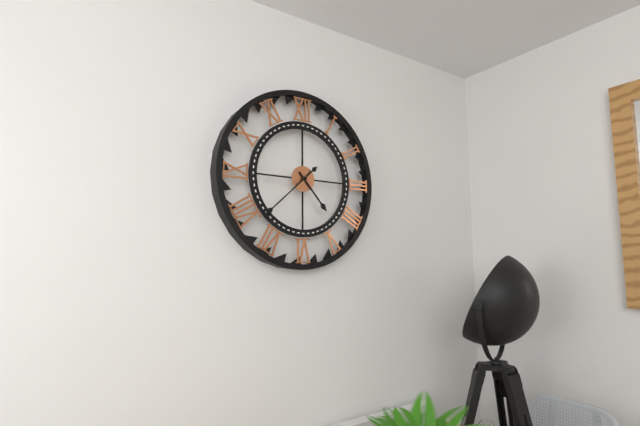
4,38
